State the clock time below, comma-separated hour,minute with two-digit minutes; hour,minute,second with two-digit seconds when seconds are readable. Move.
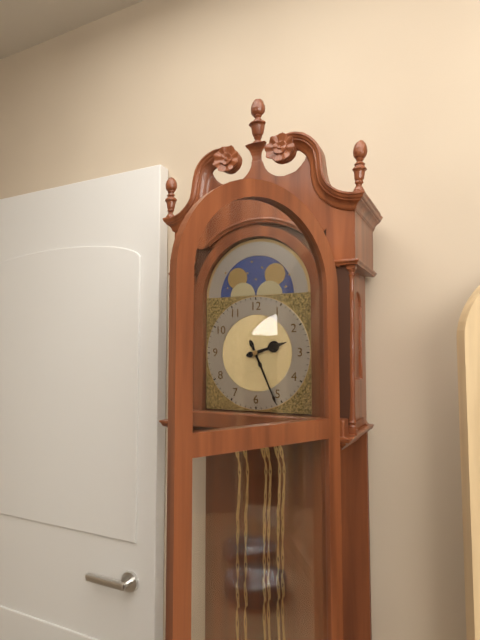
2,26
